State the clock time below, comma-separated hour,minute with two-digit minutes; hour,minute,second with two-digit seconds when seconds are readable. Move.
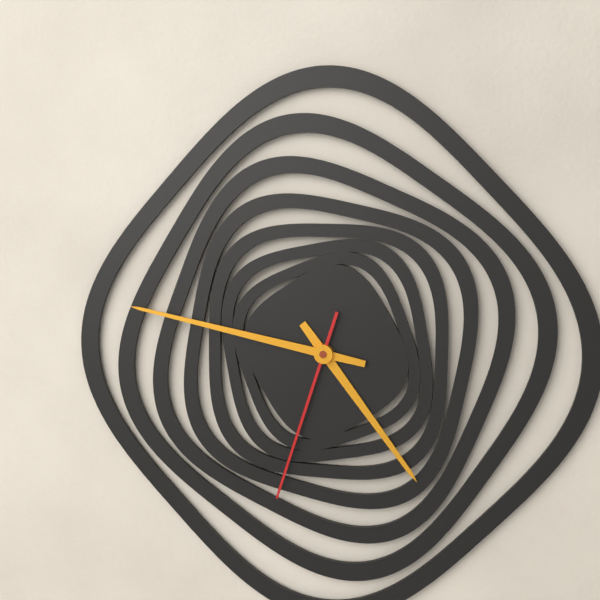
4,47,33
